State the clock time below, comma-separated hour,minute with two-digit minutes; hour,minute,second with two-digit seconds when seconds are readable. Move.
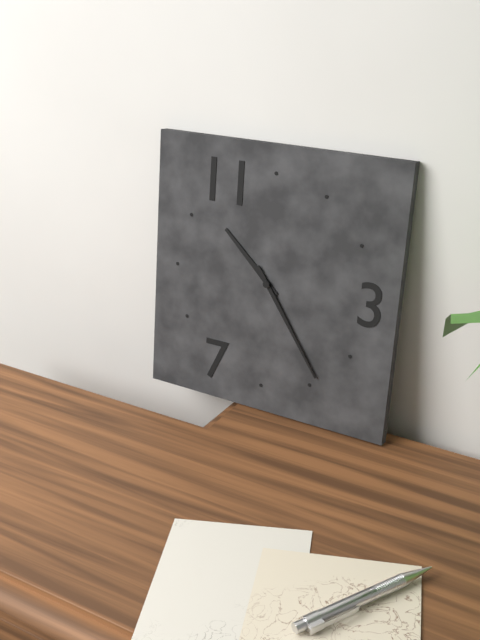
10,24
